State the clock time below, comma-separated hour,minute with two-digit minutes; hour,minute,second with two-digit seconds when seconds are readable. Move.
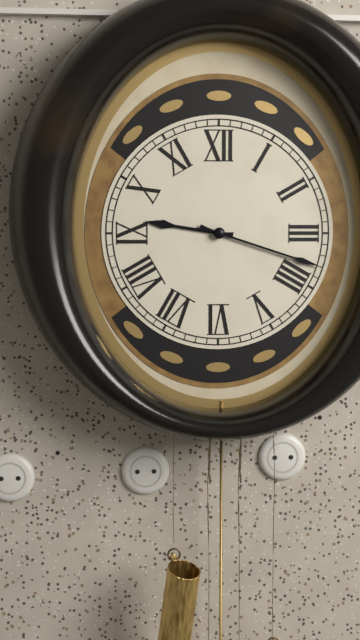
9,18
